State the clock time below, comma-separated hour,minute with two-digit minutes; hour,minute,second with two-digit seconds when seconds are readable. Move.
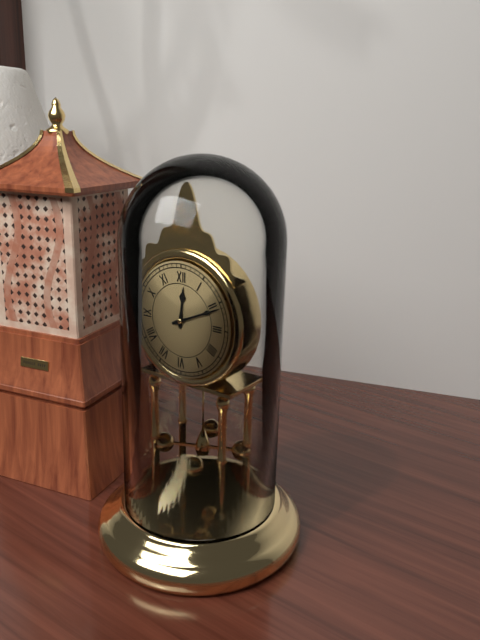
12,11
